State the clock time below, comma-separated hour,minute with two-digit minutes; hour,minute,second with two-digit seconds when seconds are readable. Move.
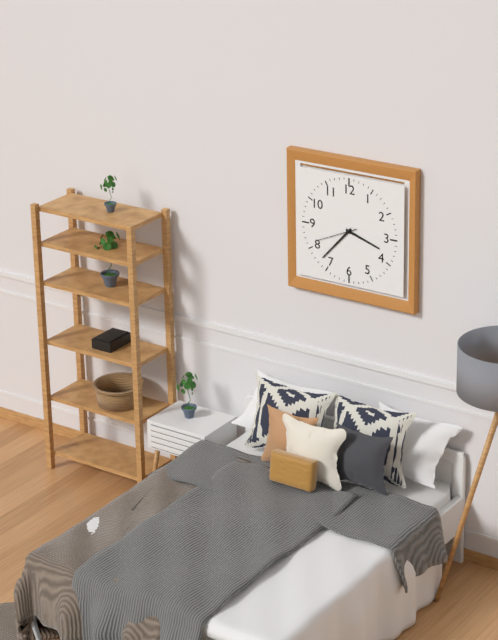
3,37
